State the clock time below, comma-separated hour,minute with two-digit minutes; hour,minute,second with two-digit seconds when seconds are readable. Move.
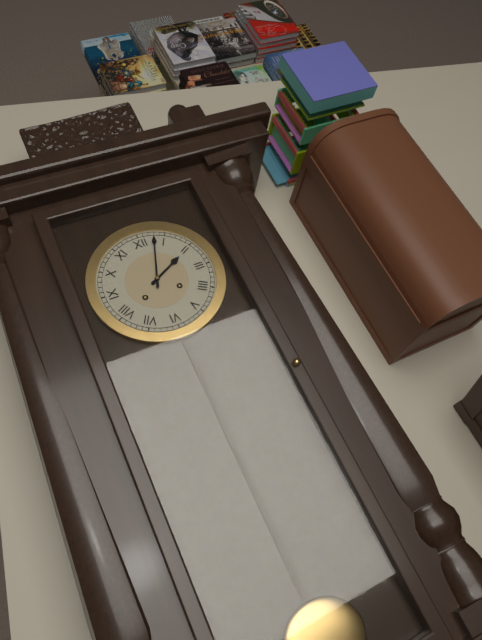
2,03
